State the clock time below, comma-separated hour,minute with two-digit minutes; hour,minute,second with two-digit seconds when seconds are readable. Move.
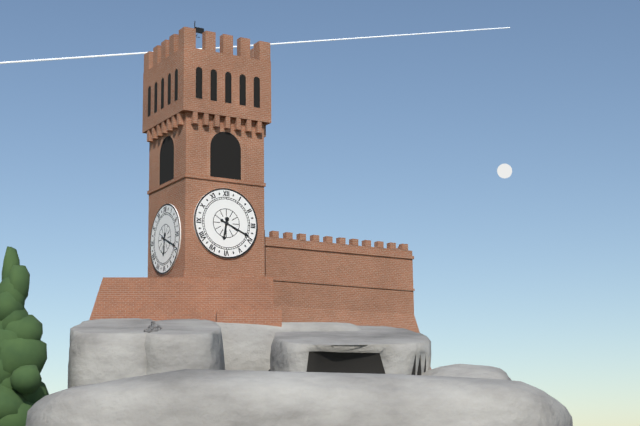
6,19
